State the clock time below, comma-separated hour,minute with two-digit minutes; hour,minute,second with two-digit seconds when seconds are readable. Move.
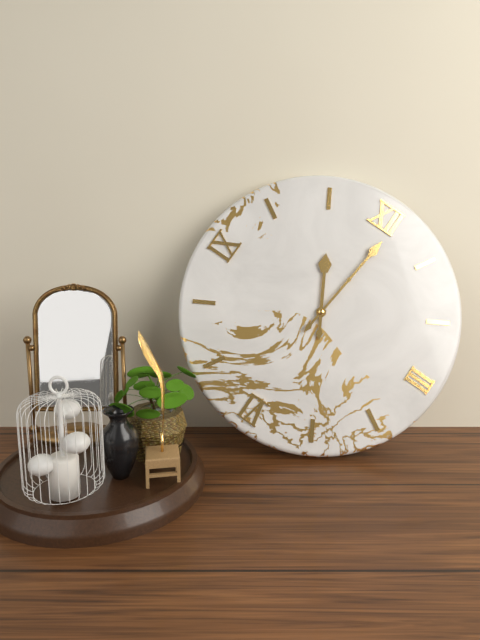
11,01
